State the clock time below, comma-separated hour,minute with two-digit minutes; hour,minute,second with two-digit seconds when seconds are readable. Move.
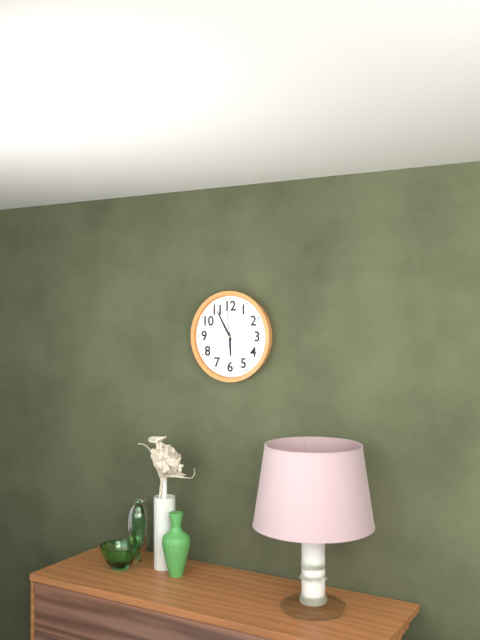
5,55
